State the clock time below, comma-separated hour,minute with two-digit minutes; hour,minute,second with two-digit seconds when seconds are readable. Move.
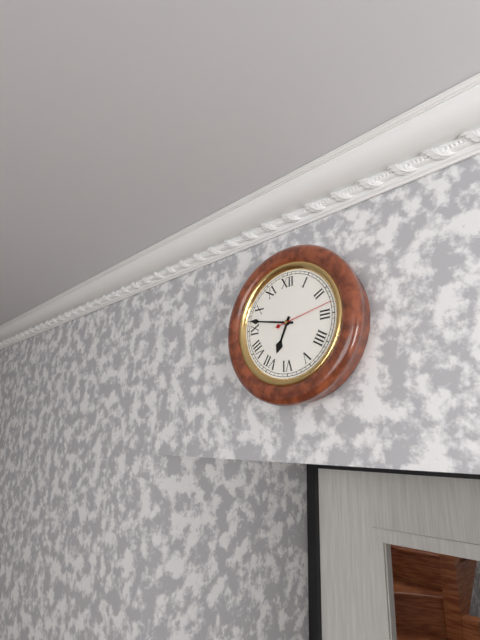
6,47,13
